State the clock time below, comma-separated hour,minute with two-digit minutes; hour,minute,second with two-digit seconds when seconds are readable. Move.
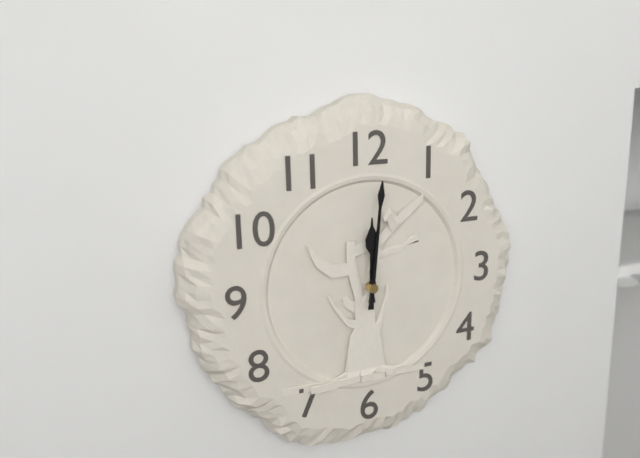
12,01
